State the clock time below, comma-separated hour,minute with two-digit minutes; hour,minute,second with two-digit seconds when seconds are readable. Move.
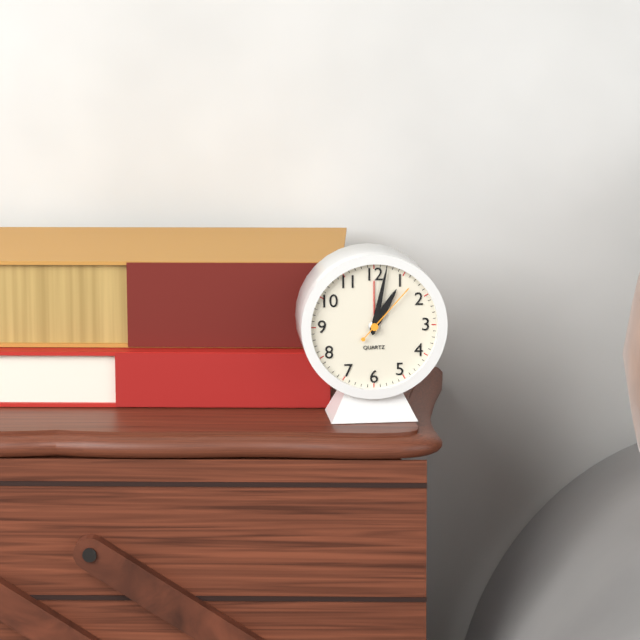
1,02,07
